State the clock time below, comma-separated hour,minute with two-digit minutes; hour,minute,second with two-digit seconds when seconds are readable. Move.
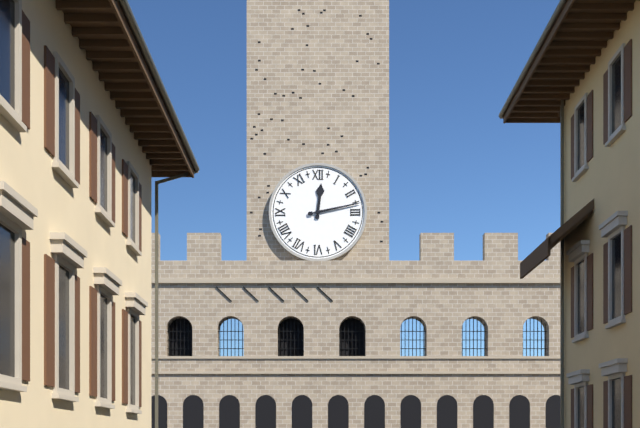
12,13
